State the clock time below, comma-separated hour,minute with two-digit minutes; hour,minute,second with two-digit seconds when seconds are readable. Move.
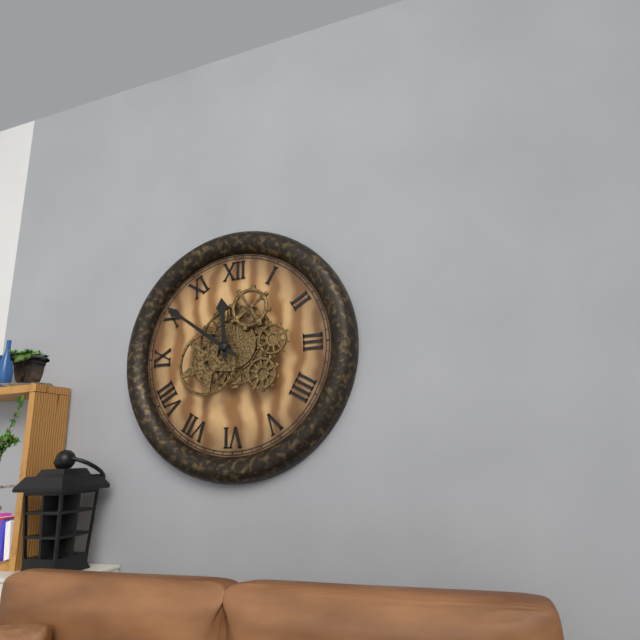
11,51
